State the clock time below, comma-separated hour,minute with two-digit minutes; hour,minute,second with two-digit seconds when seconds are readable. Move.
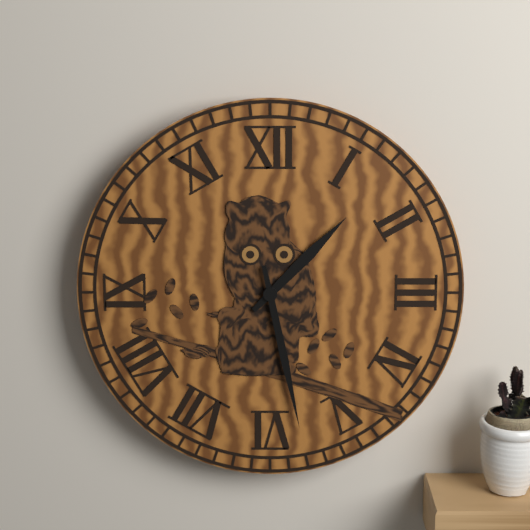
1,28
